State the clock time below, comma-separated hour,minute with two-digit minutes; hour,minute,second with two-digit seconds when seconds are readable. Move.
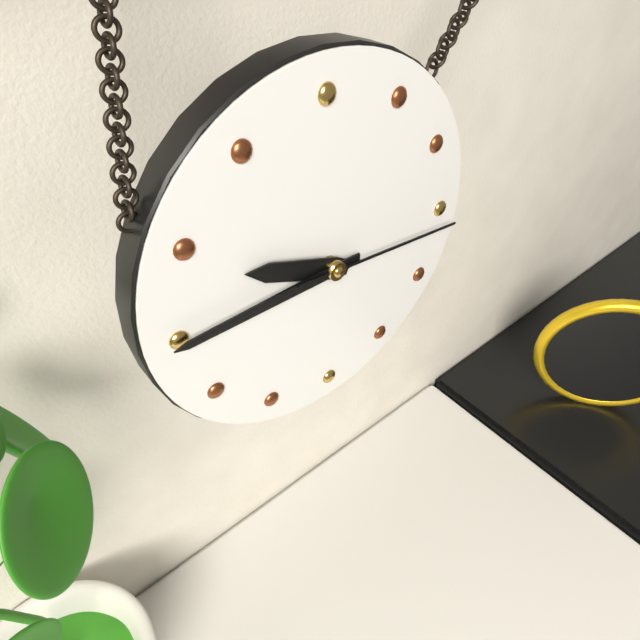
9,45,16
